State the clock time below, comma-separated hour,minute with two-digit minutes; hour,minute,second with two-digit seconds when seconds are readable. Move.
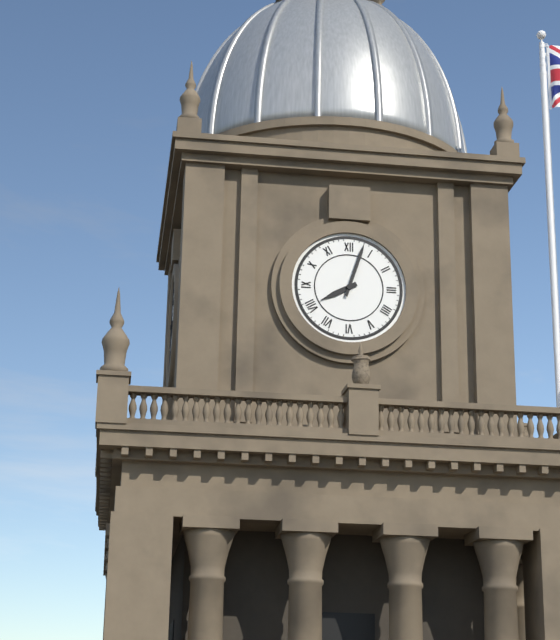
8,03
